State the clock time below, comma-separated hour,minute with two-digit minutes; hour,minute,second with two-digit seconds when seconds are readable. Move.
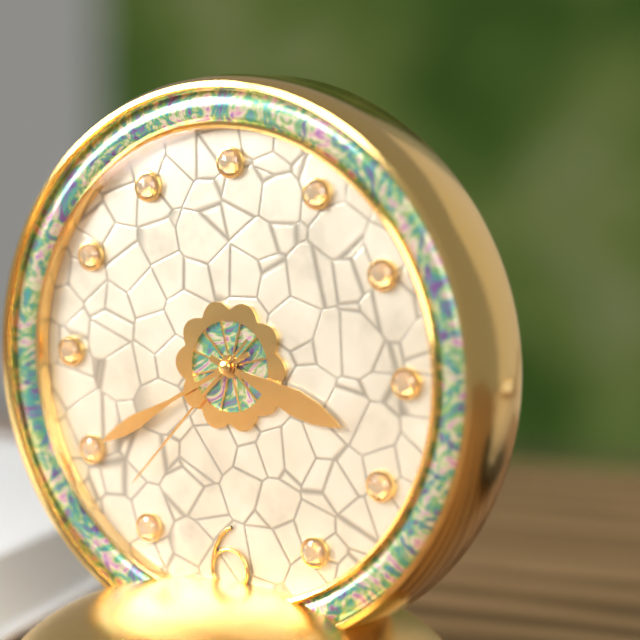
3,40,37
